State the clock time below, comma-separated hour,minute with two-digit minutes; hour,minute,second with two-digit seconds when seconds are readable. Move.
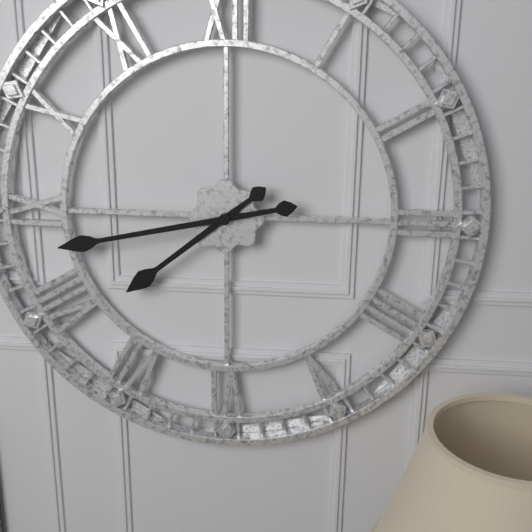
7,43
